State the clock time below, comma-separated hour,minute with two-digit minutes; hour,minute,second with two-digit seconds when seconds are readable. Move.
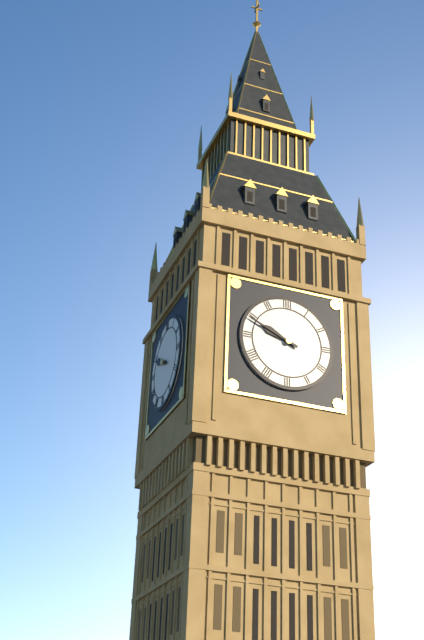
9,49
